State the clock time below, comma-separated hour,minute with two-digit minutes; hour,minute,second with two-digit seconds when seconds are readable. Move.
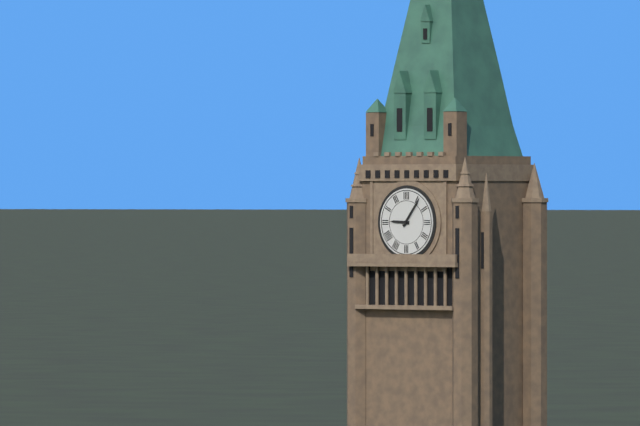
9,06
